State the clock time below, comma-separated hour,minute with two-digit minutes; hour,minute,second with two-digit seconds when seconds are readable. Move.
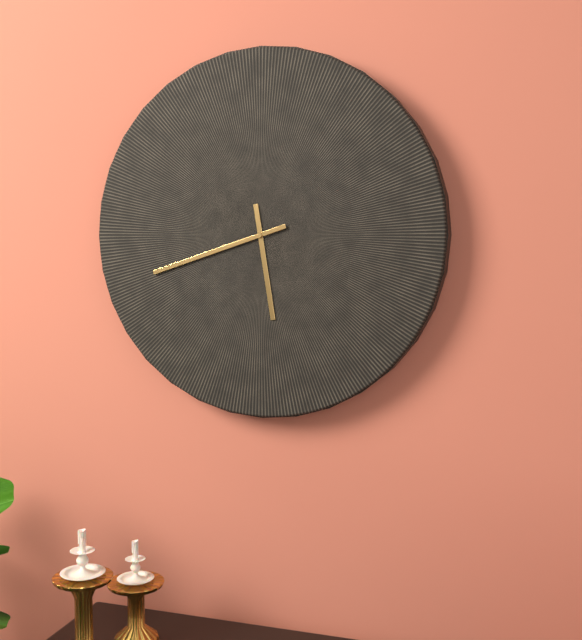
5,42
